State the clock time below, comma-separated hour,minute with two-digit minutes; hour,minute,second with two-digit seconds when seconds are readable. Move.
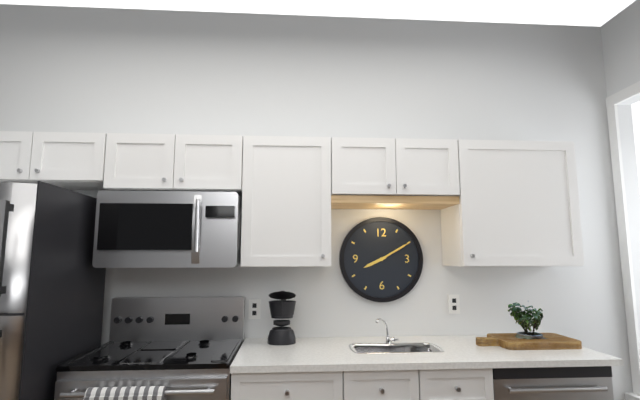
8,10
